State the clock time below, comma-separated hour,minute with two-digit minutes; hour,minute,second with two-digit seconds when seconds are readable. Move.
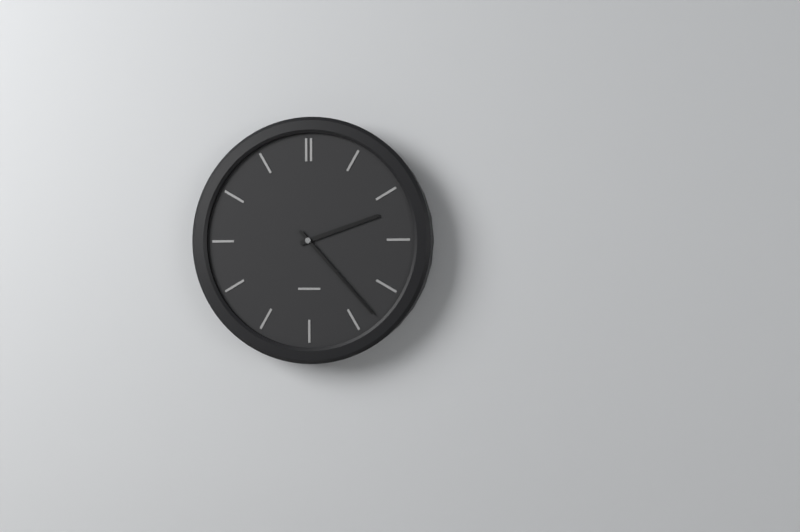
2,23
